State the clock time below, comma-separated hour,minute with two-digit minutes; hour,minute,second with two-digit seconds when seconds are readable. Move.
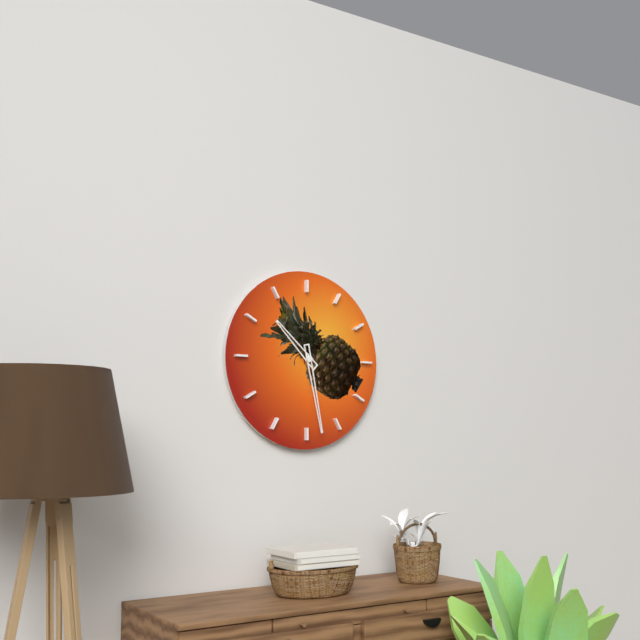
10,28
